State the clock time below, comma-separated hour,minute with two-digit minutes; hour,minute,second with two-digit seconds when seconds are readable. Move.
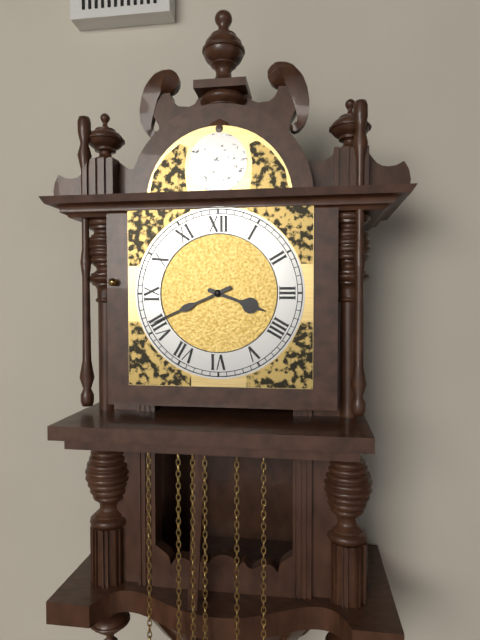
3,41
